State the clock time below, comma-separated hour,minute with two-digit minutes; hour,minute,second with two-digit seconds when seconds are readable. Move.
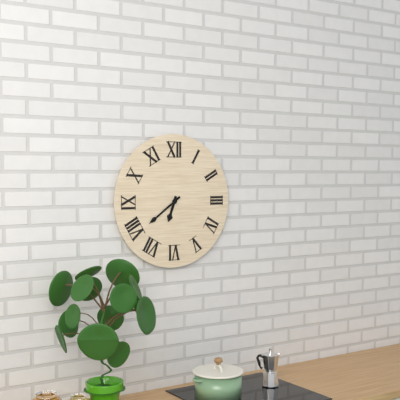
6,39
